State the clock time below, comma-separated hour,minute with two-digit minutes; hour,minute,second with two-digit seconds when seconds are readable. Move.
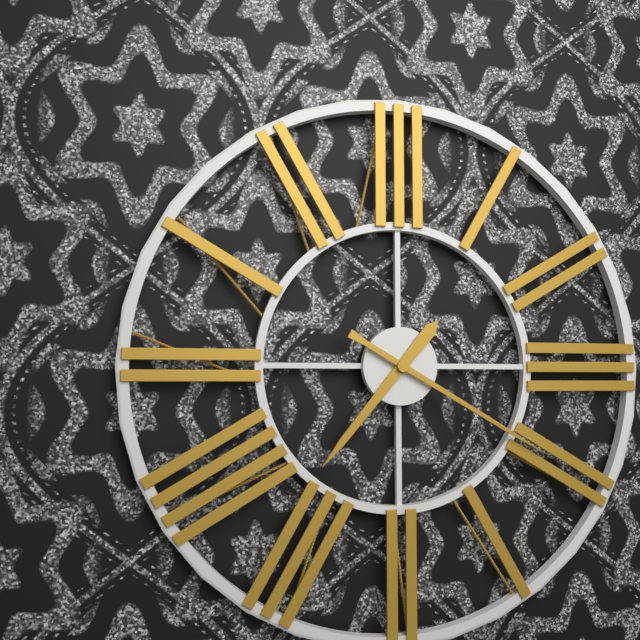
7,20
